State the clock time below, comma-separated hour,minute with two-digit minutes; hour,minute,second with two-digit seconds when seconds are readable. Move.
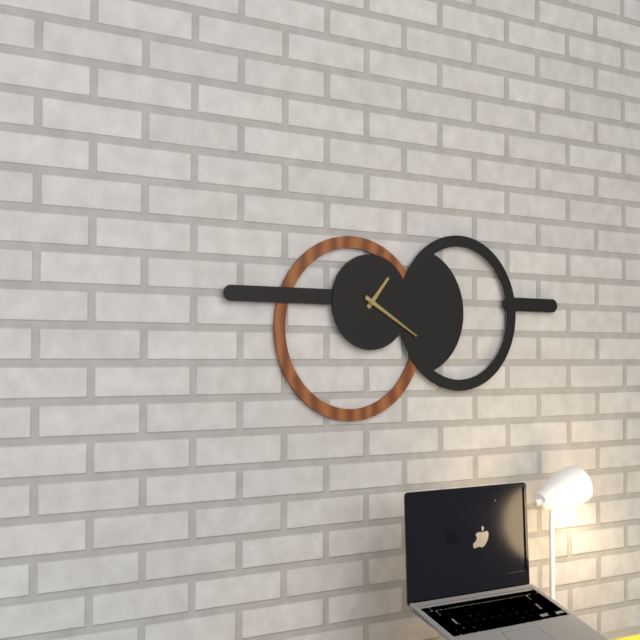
1,20
